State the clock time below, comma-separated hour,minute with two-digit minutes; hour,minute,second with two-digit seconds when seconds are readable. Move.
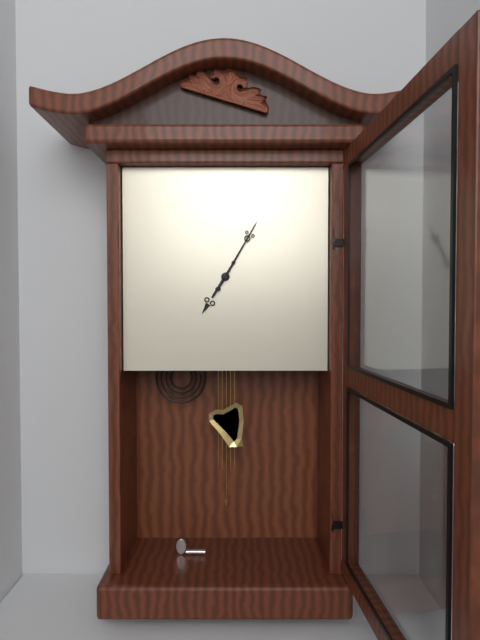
7,05
